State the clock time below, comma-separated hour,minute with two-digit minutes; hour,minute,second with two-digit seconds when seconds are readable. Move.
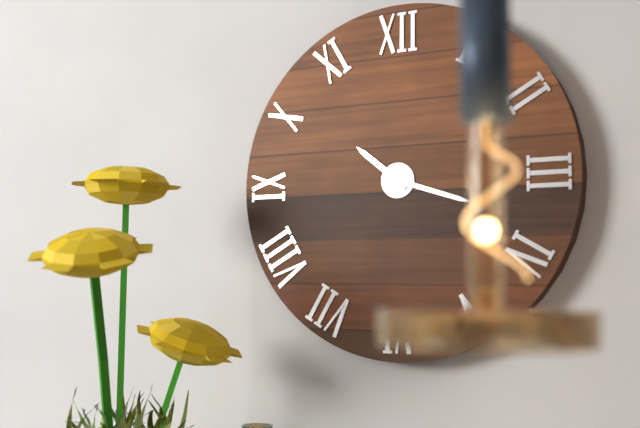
10,18
